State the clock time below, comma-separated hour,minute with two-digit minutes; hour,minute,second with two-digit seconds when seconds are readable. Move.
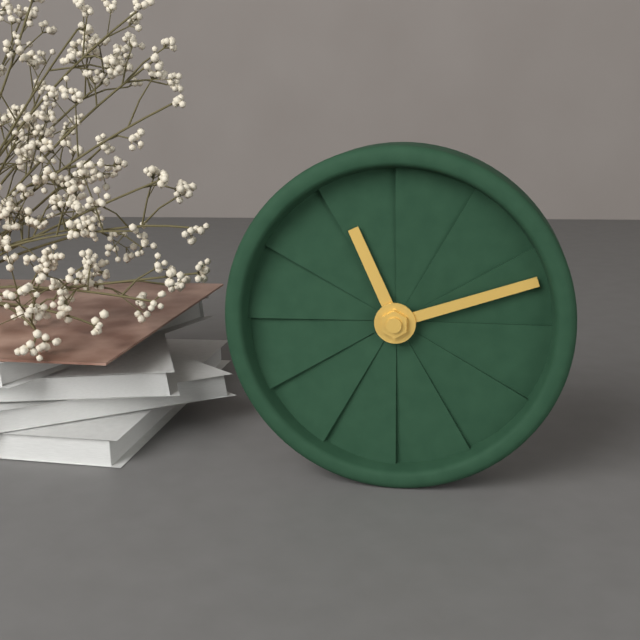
11,12
